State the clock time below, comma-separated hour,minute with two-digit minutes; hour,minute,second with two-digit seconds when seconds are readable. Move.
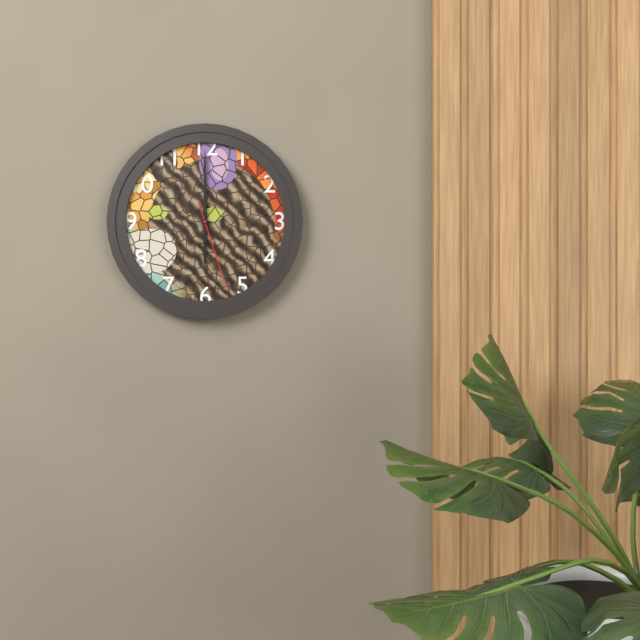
6,00,27
